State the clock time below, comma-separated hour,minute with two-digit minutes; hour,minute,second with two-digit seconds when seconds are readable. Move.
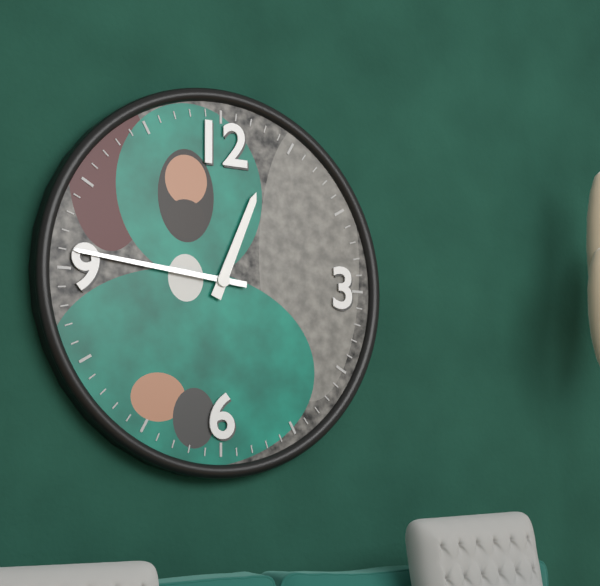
12,46
